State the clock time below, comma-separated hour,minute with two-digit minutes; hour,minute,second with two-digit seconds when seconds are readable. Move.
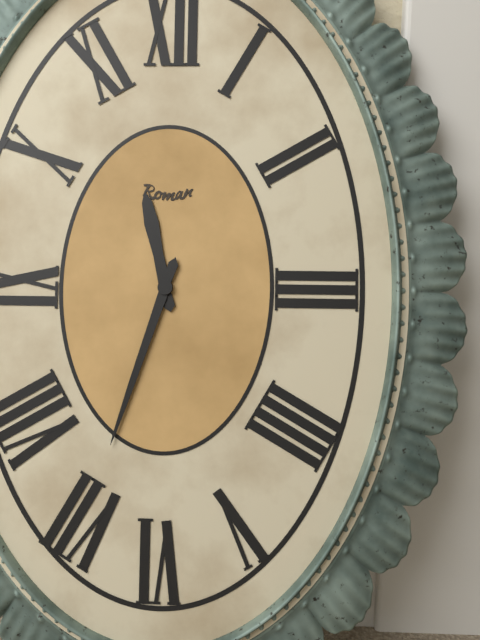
11,33
